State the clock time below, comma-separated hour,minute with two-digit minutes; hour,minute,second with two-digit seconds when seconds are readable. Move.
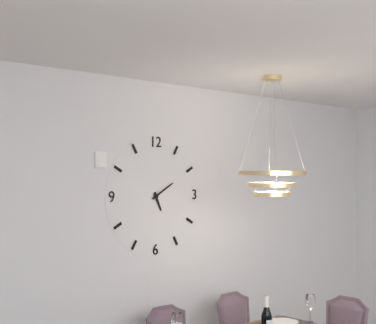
5,10
